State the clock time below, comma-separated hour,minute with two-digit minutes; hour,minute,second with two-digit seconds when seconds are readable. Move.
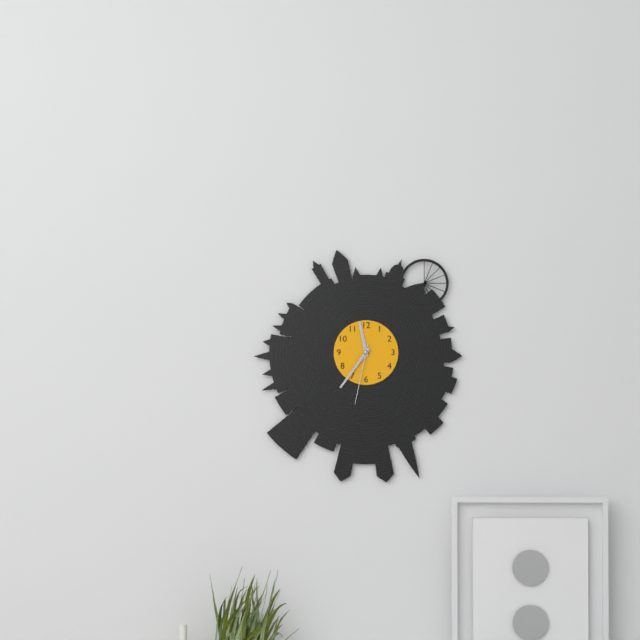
11,36,32
